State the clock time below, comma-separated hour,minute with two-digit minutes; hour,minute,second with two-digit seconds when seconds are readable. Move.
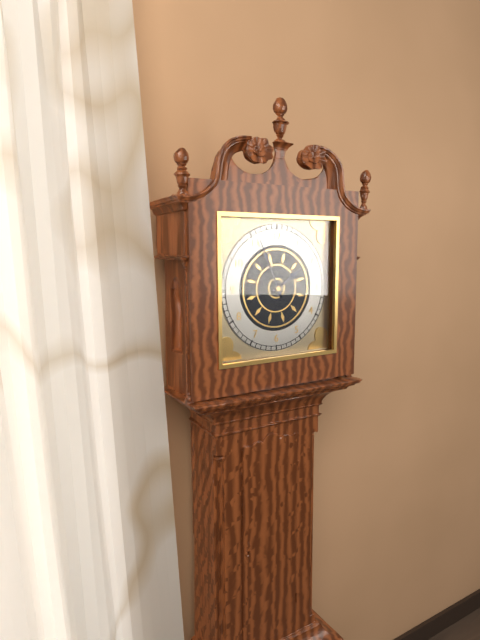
1,56
